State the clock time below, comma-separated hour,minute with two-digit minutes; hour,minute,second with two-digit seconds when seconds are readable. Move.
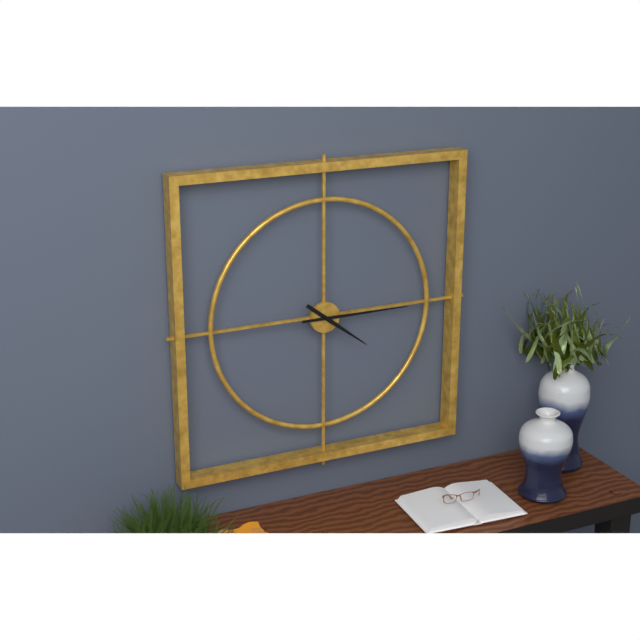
4,15
